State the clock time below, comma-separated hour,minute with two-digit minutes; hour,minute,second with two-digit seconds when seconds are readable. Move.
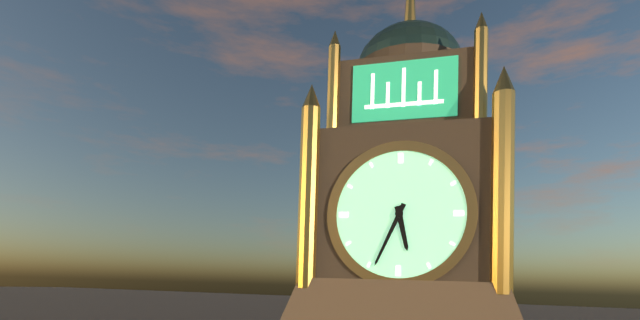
5,34
